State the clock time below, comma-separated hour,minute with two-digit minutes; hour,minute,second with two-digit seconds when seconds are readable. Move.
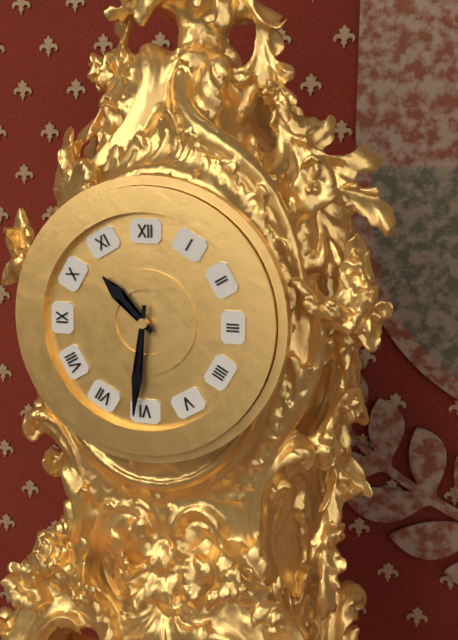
10,31
